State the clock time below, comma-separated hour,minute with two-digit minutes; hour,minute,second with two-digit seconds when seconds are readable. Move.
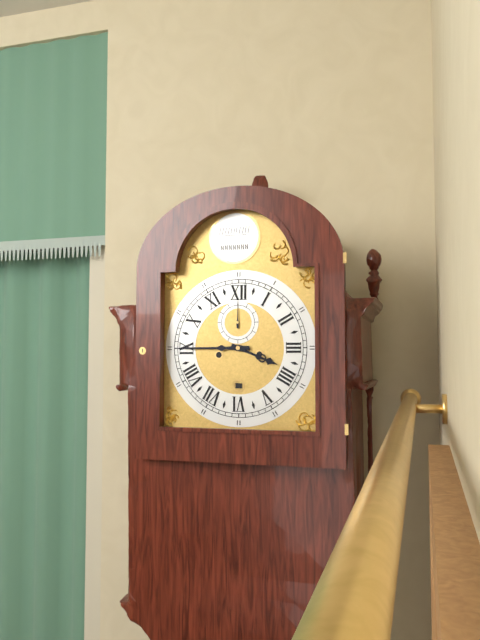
3,45
